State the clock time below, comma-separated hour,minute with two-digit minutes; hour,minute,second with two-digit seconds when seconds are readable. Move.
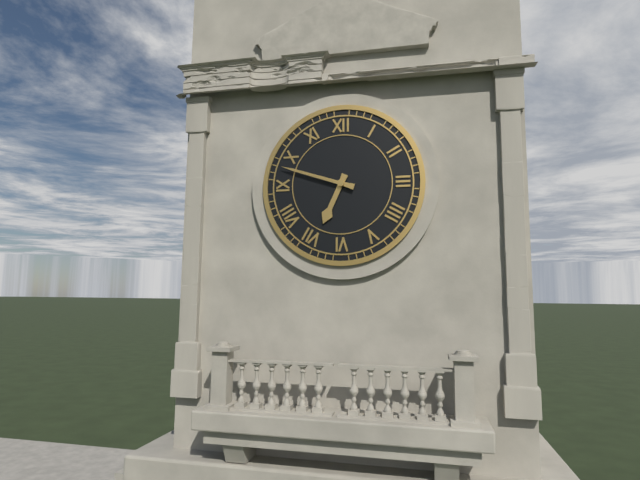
6,48
